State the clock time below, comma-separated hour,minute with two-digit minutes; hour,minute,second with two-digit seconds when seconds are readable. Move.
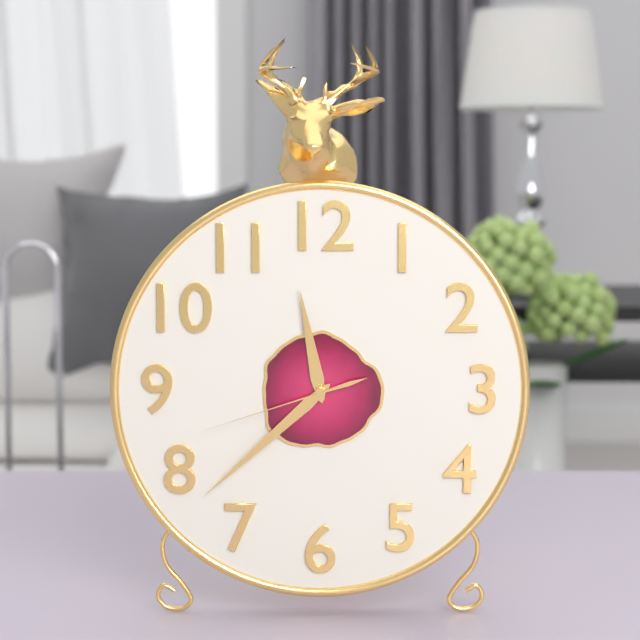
11,38,42
